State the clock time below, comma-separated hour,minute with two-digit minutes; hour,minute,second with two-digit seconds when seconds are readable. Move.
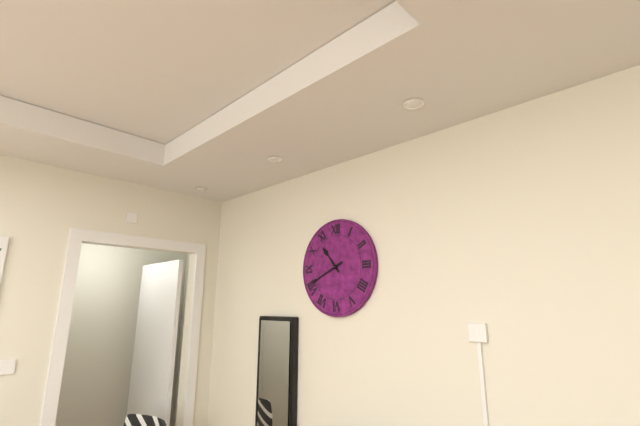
10,41
